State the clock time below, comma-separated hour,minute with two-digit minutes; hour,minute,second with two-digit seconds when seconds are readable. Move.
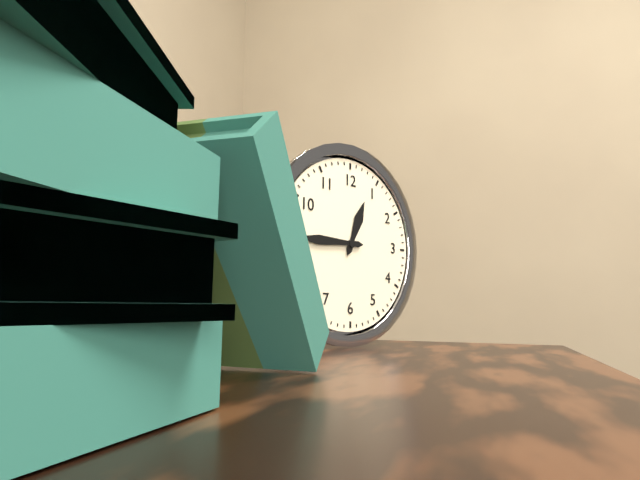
12,45
